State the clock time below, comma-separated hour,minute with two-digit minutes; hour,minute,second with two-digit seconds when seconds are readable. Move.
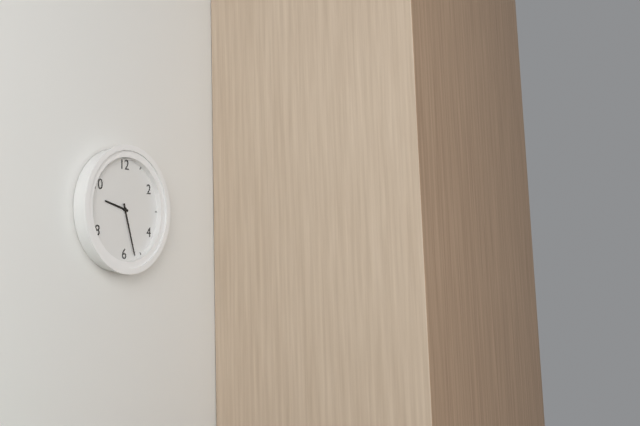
9,27
